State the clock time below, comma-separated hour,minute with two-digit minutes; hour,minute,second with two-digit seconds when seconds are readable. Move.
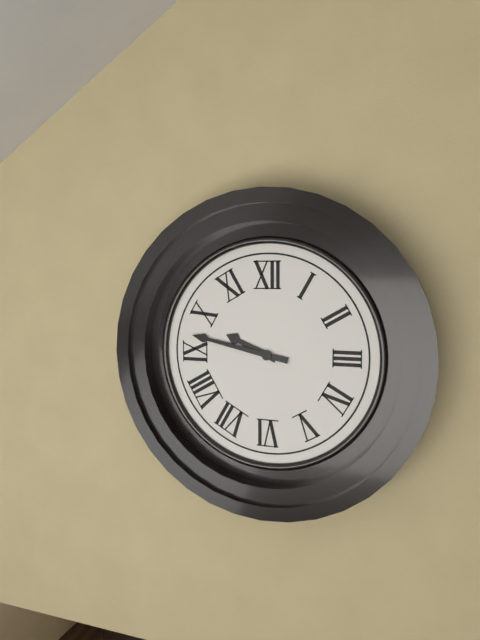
9,47
